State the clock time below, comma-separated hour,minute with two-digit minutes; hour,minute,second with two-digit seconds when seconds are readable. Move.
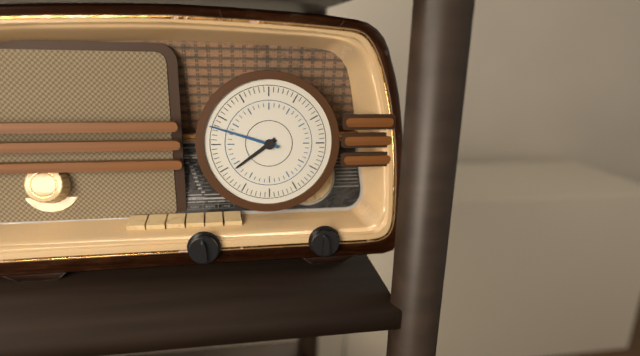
7,48
